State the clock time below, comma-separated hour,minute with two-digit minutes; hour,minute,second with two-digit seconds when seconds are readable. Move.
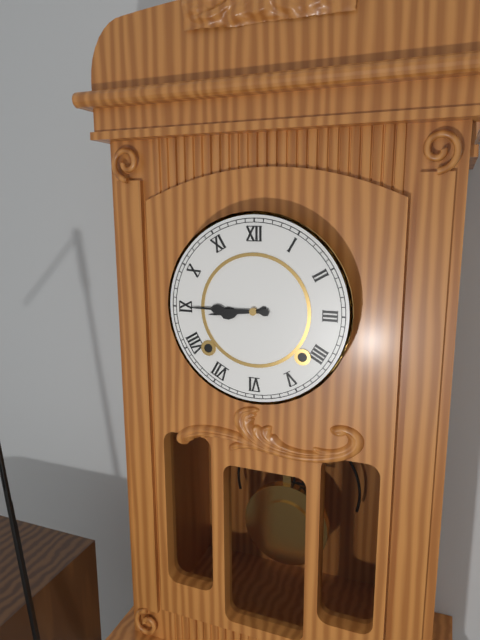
8,45
